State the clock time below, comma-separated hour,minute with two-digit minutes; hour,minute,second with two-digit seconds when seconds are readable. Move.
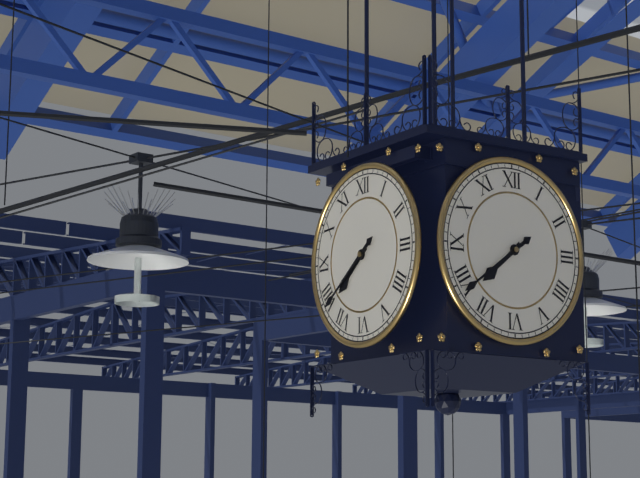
7,39
